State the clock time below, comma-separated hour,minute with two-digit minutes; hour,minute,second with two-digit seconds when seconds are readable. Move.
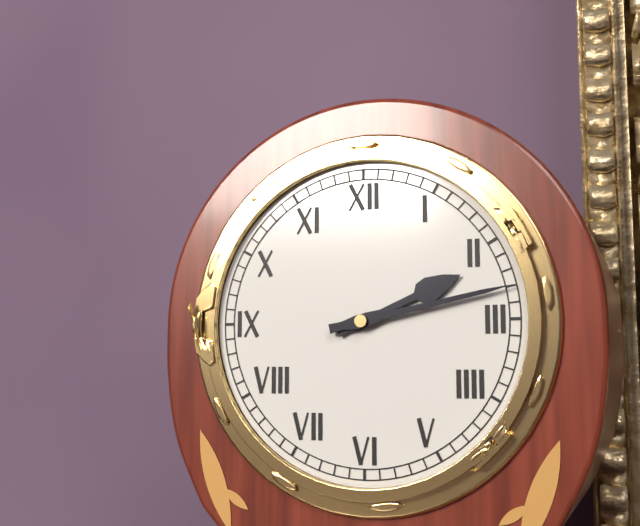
2,13
